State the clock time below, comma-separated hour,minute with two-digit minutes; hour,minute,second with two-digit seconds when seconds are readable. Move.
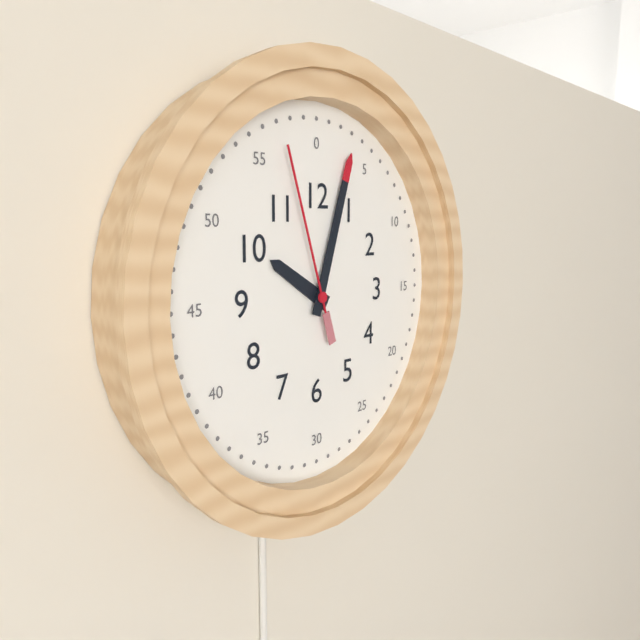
10,03,57
